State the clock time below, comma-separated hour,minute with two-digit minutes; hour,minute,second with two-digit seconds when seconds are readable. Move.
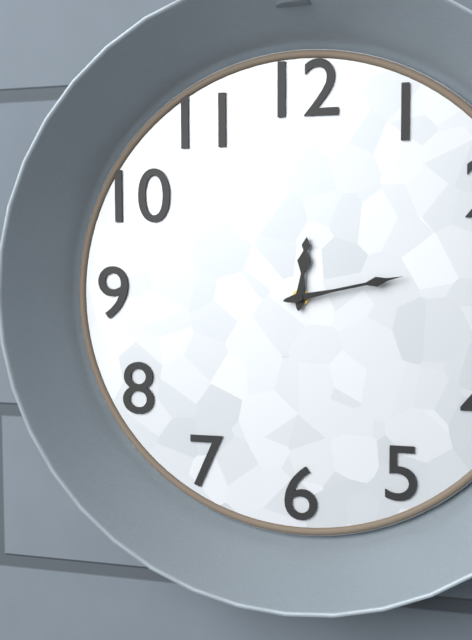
12,13
